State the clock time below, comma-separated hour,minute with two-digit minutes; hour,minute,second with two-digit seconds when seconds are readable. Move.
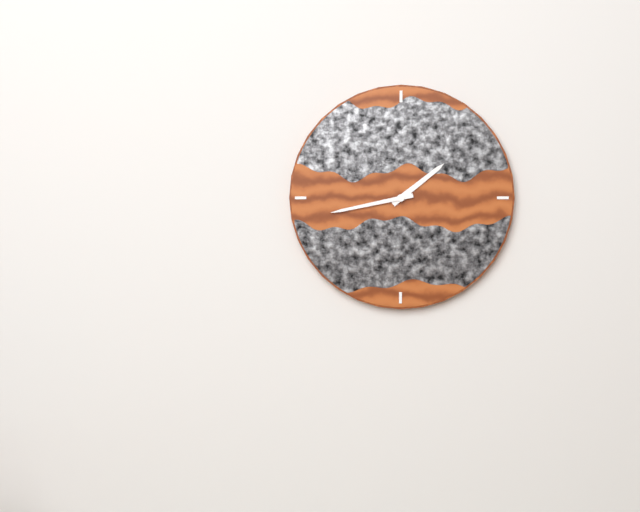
1,43
